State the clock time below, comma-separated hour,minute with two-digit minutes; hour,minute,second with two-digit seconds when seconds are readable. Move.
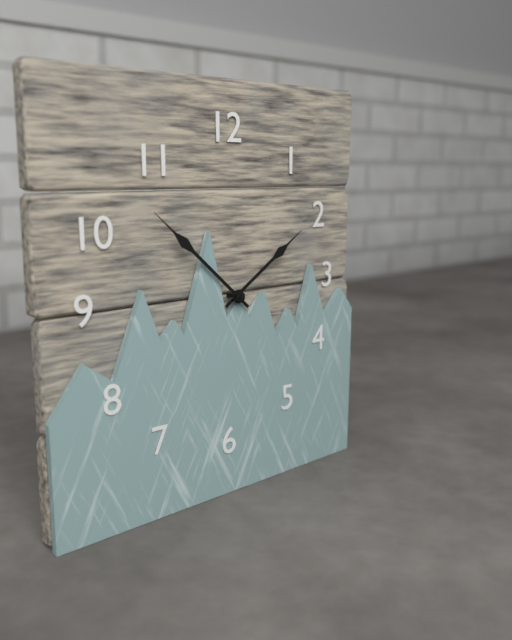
1,52
